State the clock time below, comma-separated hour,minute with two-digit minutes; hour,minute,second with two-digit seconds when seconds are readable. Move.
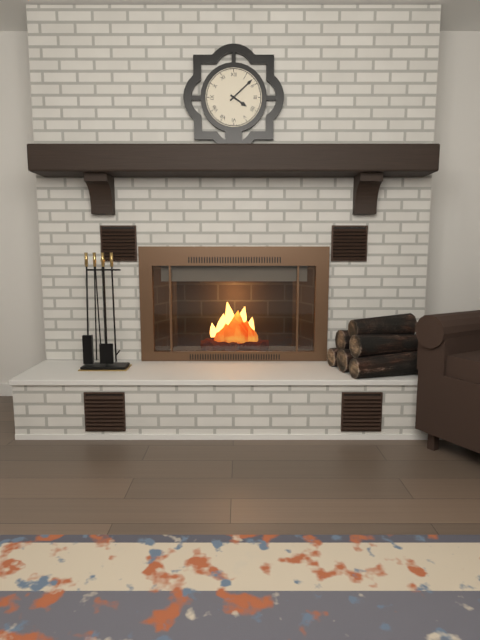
4,08
